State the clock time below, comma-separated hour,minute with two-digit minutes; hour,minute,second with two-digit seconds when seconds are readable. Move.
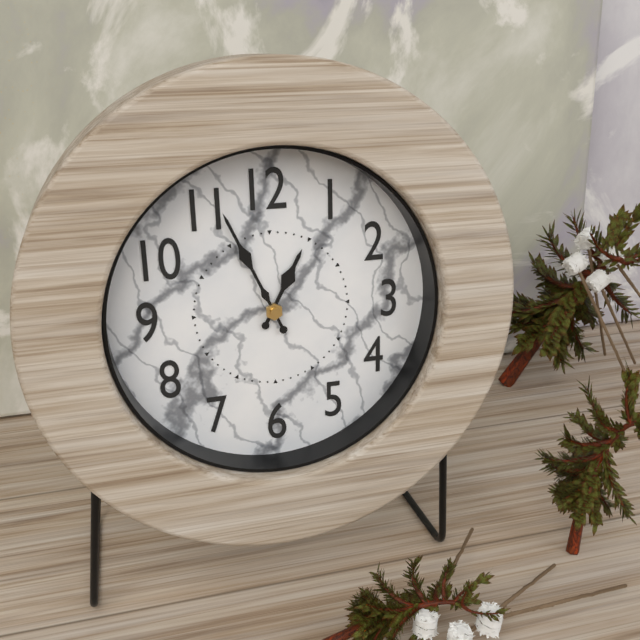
12,56
